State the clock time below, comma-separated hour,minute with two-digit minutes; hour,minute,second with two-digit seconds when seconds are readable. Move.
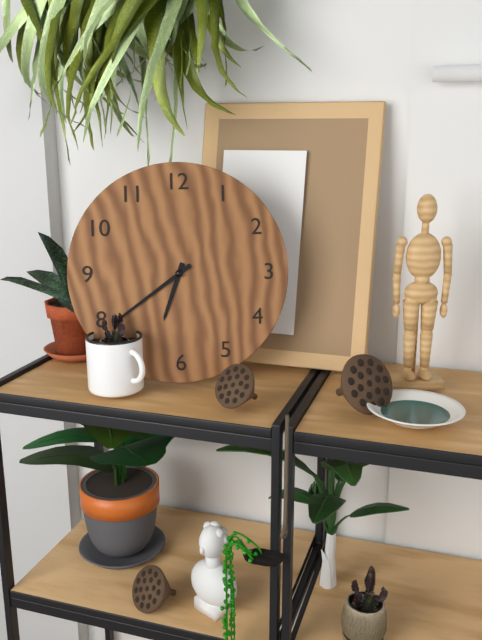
6,39
